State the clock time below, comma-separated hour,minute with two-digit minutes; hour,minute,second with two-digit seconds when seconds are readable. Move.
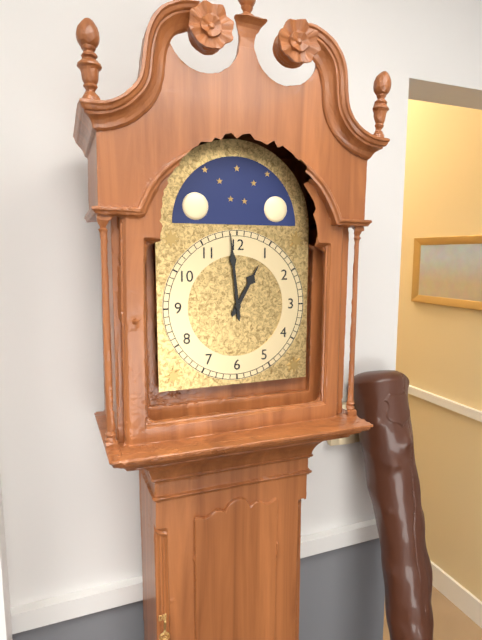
12,59
